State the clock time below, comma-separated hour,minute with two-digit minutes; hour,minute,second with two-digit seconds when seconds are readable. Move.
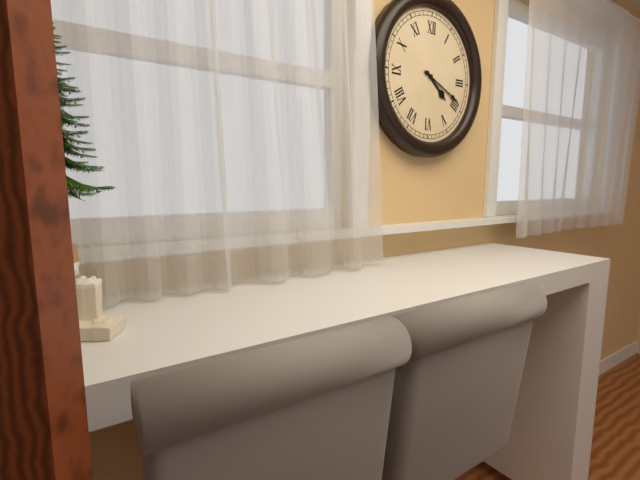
4,19
